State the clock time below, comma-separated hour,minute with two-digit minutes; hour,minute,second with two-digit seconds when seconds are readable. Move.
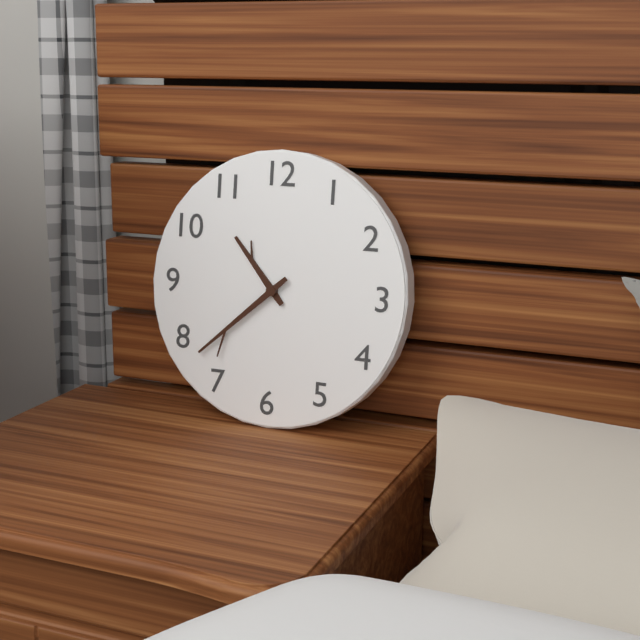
10,38
